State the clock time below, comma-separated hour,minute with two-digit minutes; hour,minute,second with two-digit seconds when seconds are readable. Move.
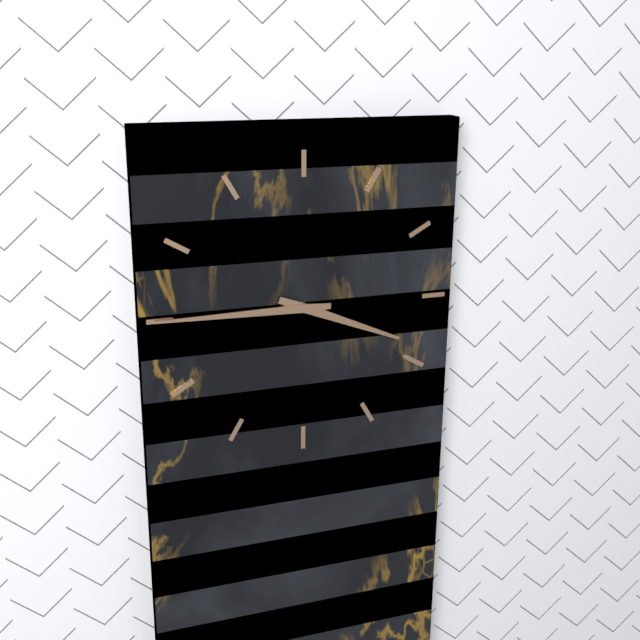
3,45
